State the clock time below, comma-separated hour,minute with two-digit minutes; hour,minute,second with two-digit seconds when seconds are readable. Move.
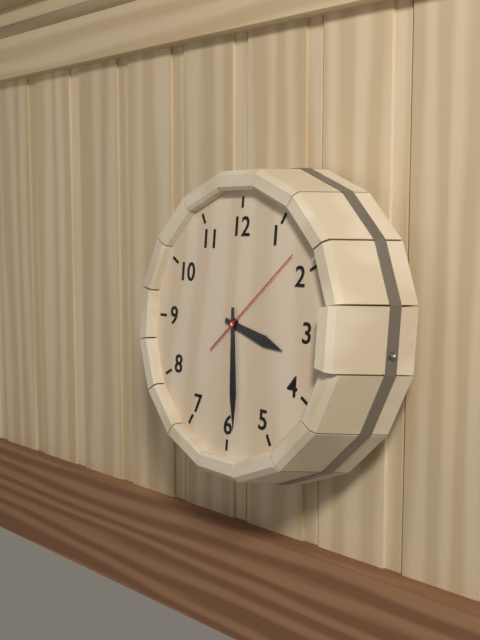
3,29,08
